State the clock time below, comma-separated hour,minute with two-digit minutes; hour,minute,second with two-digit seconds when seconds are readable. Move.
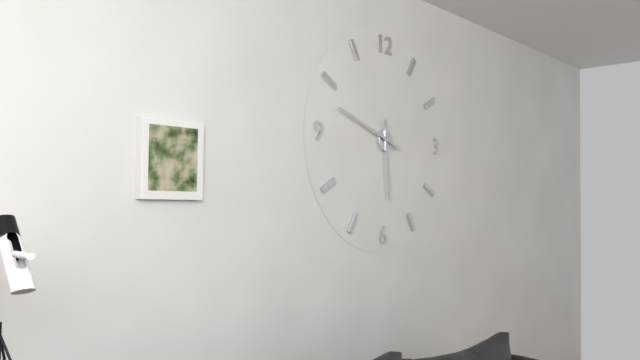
5,48
